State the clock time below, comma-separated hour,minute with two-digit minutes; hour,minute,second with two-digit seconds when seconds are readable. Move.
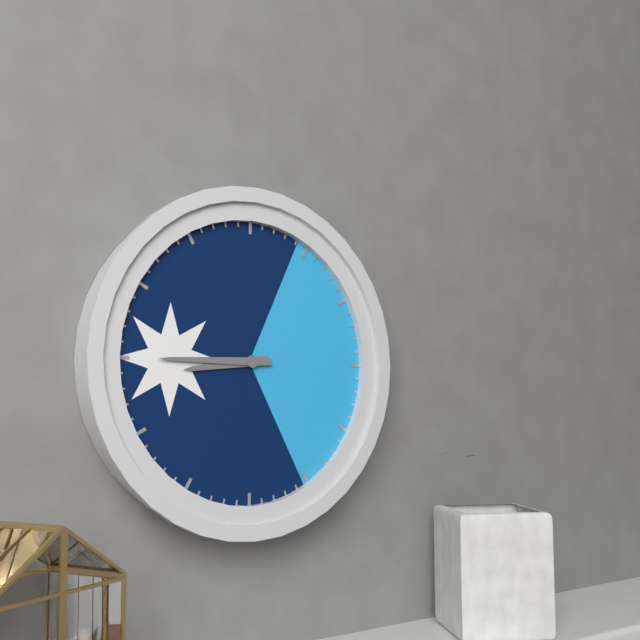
8,45
